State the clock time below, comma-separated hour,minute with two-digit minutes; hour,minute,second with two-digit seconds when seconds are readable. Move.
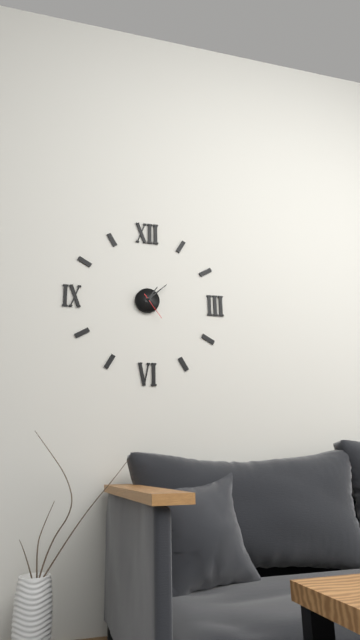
1,08
